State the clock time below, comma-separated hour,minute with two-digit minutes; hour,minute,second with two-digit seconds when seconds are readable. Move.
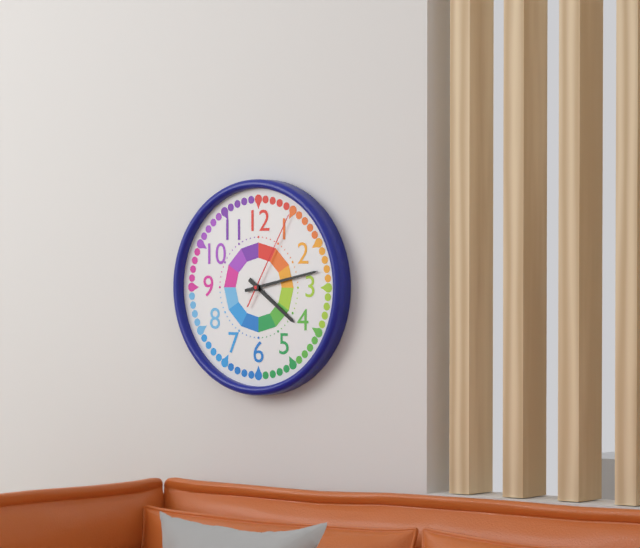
4,13,05
